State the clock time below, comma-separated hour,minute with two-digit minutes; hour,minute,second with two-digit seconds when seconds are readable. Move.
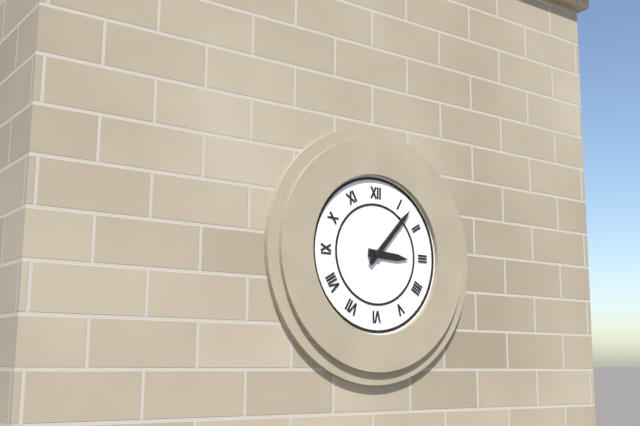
3,07
